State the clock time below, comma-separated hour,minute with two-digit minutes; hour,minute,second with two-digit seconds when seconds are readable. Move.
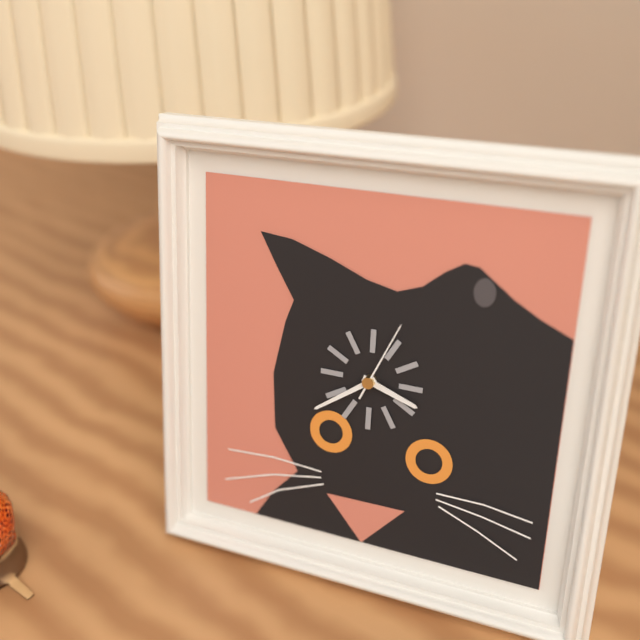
3,39,04
